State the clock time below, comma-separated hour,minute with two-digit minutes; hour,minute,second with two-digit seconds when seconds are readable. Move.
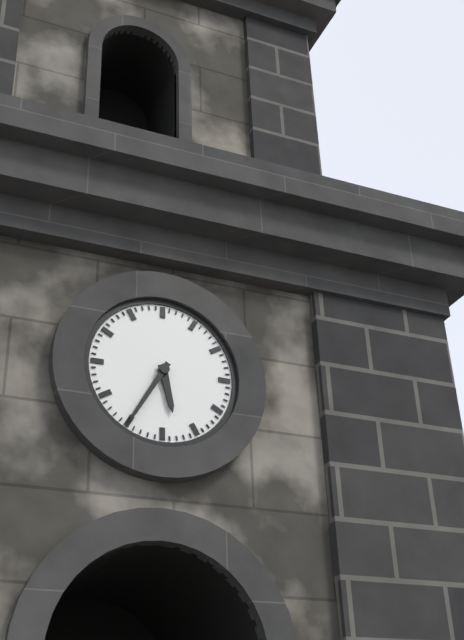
5,35
